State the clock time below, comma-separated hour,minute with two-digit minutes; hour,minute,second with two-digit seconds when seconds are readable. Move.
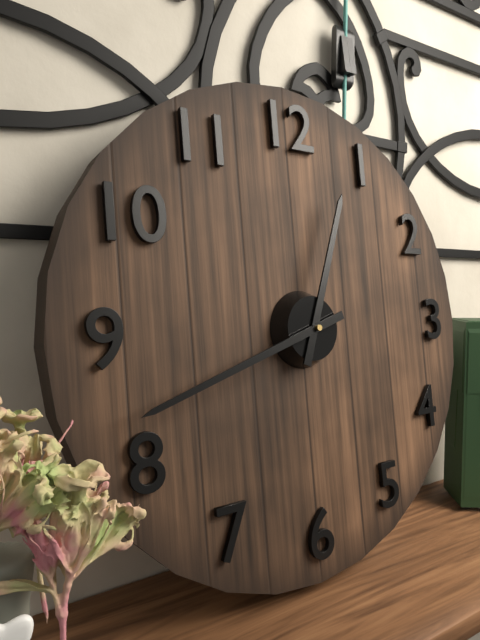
12,42
